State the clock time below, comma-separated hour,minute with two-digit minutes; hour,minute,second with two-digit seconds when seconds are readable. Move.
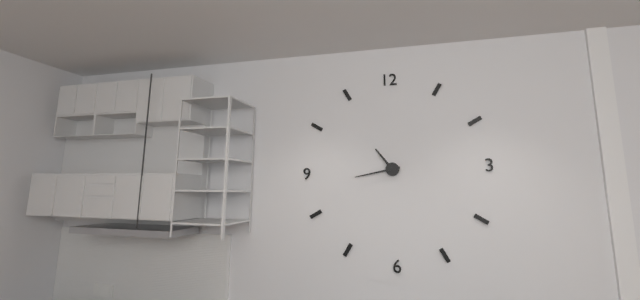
10,43
